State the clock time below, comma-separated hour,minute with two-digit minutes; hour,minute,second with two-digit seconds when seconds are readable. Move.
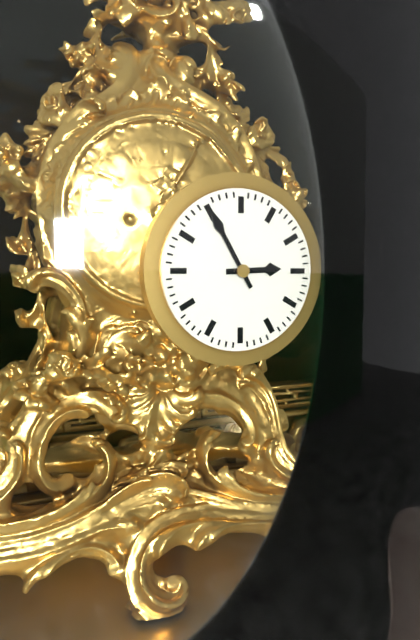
2,55
